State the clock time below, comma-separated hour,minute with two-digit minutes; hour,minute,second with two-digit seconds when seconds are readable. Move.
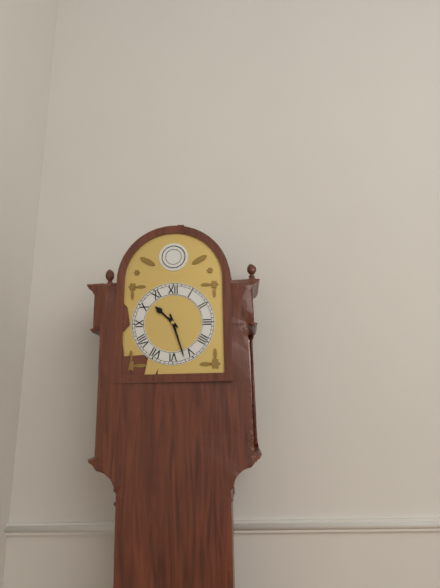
10,27
